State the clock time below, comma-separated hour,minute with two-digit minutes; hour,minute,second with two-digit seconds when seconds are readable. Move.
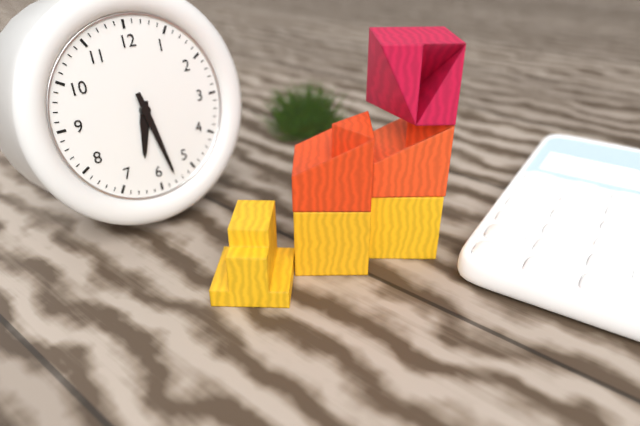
6,28
